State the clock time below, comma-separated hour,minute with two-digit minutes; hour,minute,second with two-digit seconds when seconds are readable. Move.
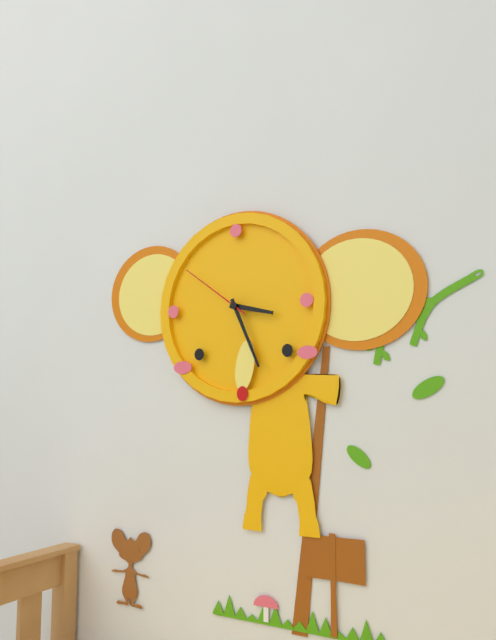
3,26,51
